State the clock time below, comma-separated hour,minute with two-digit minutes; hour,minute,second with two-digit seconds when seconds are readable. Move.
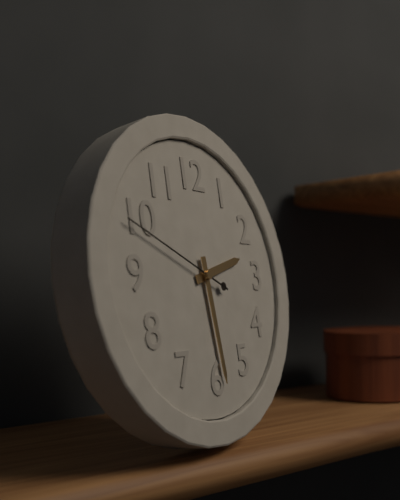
2,29,49
